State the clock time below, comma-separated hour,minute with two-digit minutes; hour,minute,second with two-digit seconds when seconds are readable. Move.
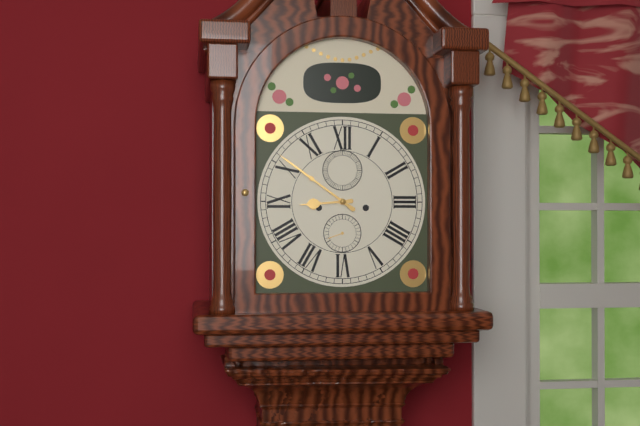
8,51
